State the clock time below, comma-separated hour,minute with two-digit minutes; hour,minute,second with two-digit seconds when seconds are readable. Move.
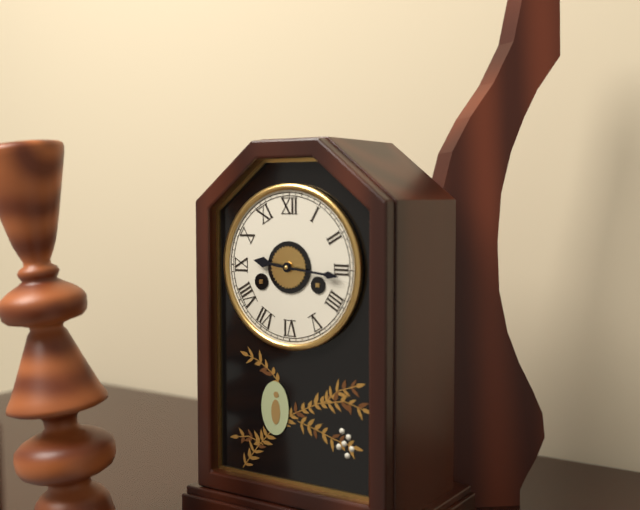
9,16
